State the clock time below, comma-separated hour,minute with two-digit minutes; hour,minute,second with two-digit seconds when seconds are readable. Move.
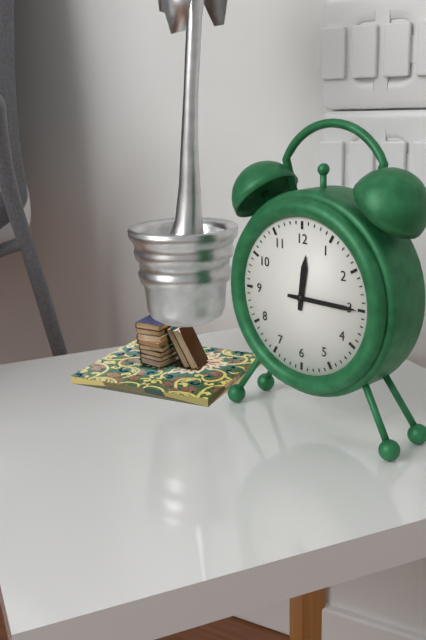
12,15
